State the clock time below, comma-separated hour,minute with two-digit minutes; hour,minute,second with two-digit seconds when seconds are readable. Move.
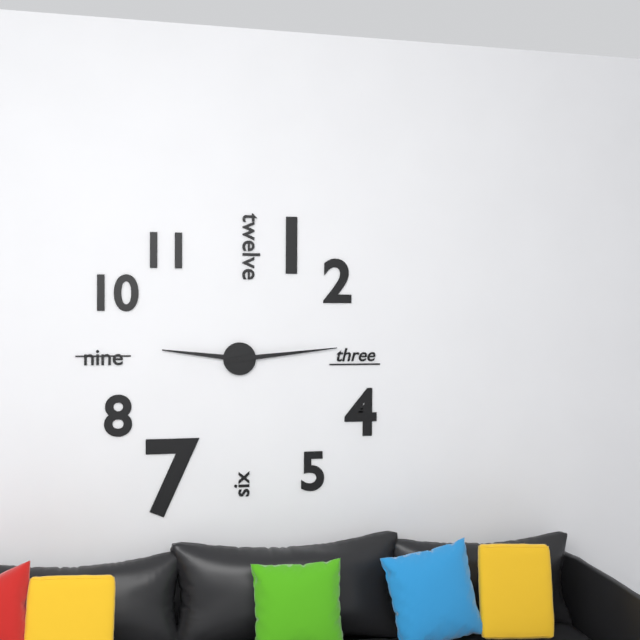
9,14
